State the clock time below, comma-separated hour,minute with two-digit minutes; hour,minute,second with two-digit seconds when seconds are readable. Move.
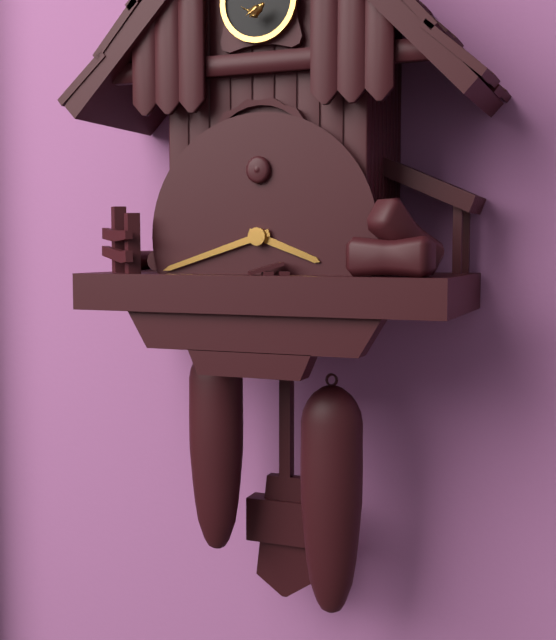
3,42
